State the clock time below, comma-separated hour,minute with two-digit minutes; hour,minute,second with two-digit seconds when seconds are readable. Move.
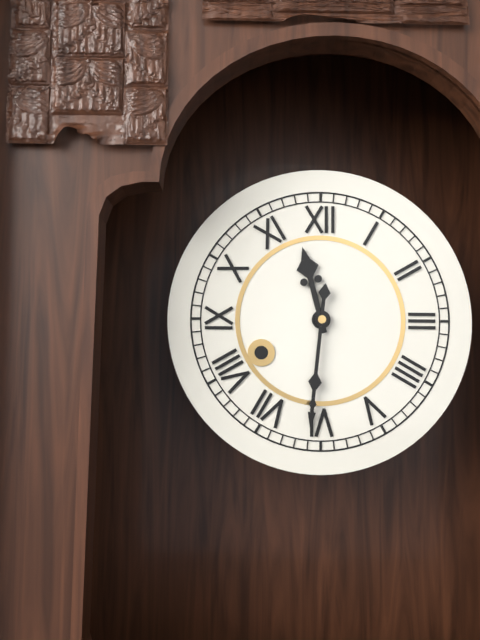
11,31
